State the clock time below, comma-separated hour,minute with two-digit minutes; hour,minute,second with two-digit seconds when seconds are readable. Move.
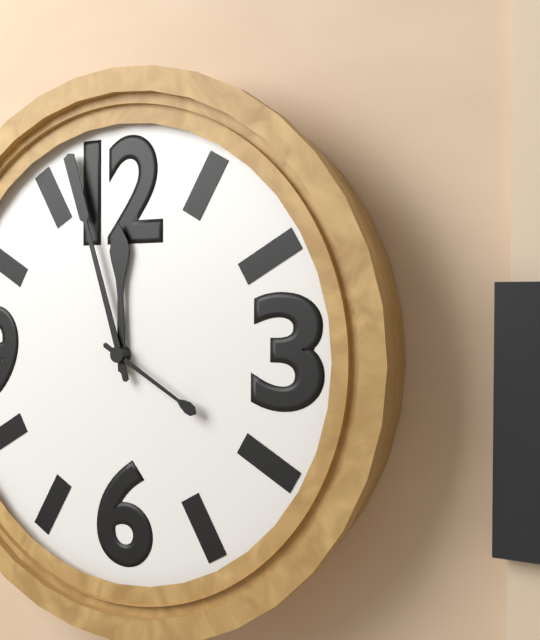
11,57,20
